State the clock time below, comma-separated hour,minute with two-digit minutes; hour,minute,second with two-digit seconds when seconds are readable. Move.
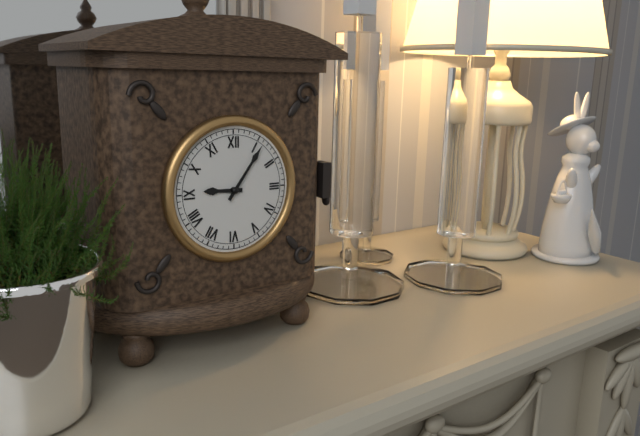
9,06
